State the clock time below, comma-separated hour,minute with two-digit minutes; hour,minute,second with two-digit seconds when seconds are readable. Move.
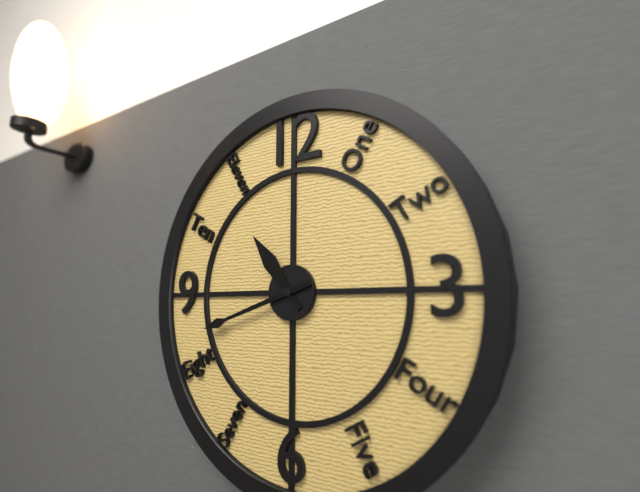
10,42
